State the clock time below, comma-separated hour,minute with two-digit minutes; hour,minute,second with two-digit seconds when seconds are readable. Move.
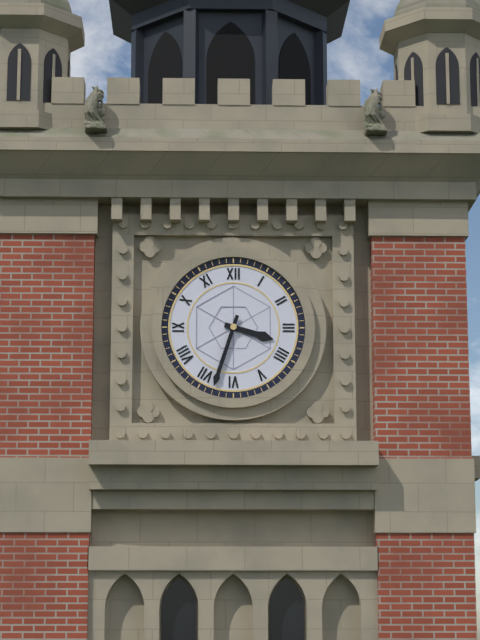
3,33
